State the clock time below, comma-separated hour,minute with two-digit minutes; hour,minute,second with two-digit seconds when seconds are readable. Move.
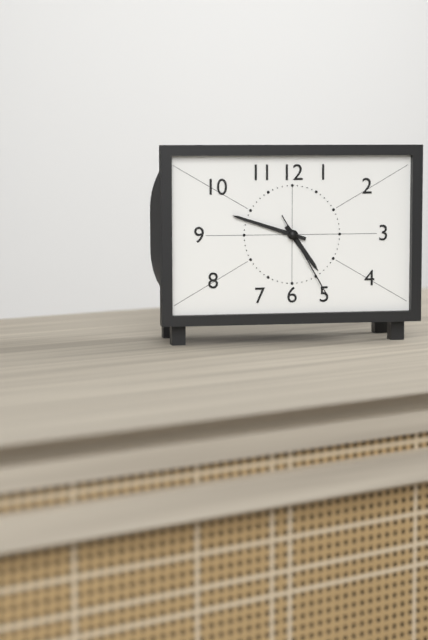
4,48,25
